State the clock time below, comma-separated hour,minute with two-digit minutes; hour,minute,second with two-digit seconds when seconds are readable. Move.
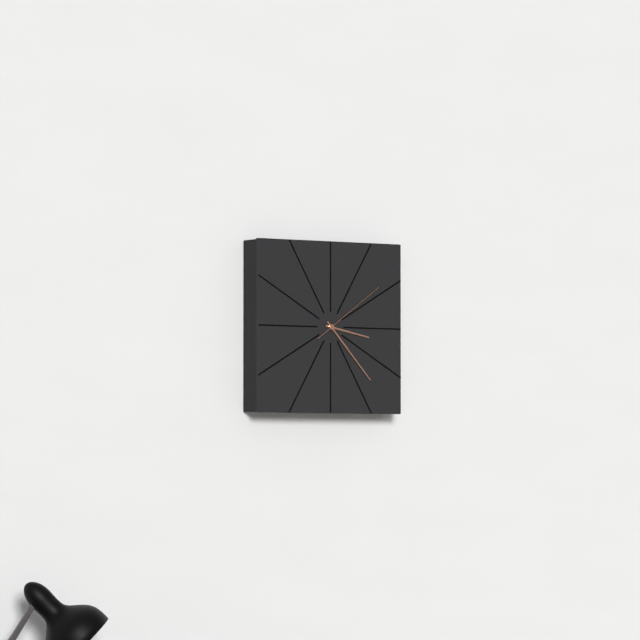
3,23,09
